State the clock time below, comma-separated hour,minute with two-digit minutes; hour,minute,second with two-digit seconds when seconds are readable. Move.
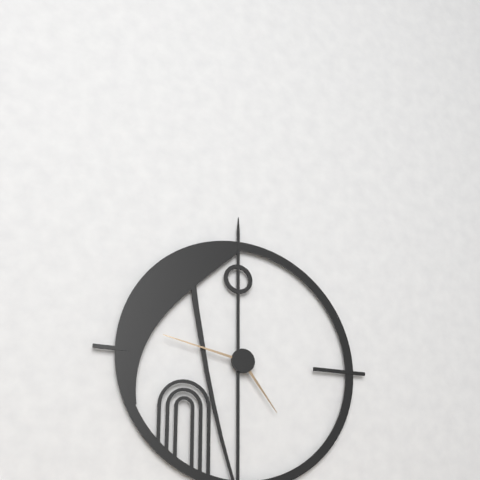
4,47
